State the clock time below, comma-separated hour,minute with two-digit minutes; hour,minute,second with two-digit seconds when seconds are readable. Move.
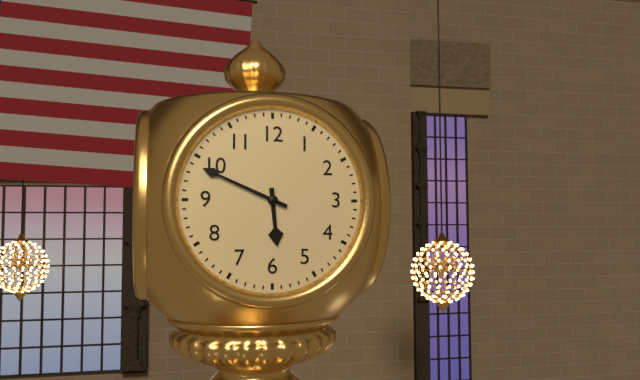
5,49
